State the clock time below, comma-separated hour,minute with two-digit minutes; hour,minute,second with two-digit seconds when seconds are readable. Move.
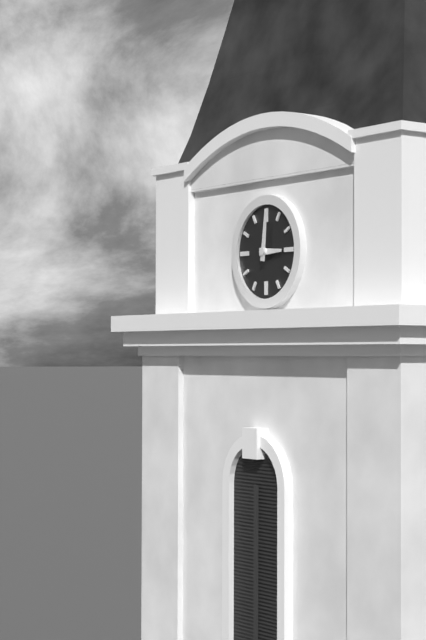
3,01
